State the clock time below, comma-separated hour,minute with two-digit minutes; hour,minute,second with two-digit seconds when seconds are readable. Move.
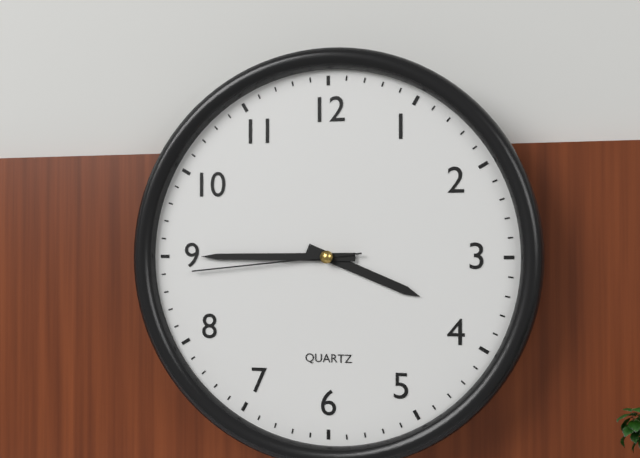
3,45,44
